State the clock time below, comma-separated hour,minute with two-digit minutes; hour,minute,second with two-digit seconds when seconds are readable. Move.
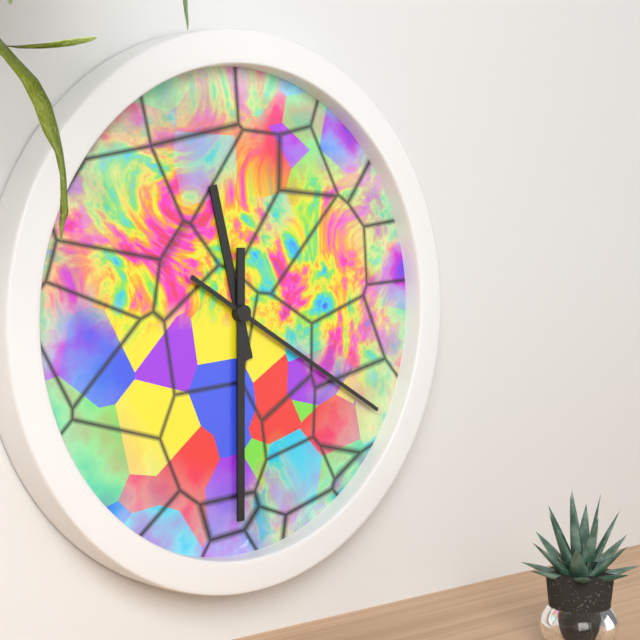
11,30,20
